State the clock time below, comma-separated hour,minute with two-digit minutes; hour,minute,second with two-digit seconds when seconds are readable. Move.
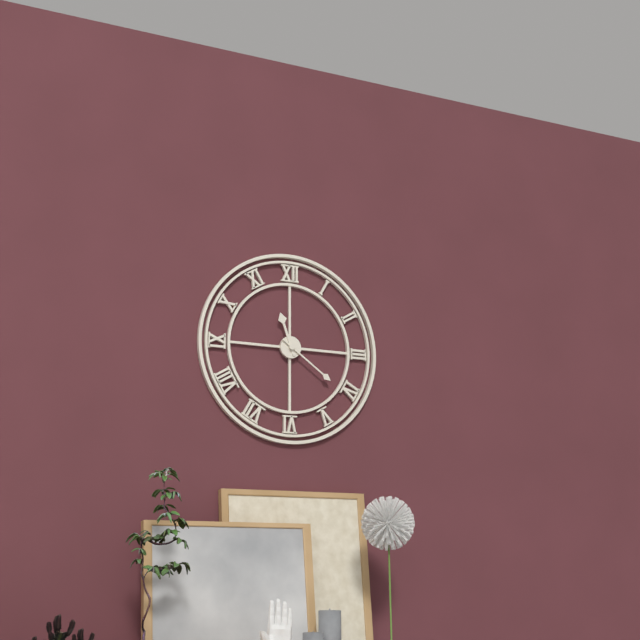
11,21
